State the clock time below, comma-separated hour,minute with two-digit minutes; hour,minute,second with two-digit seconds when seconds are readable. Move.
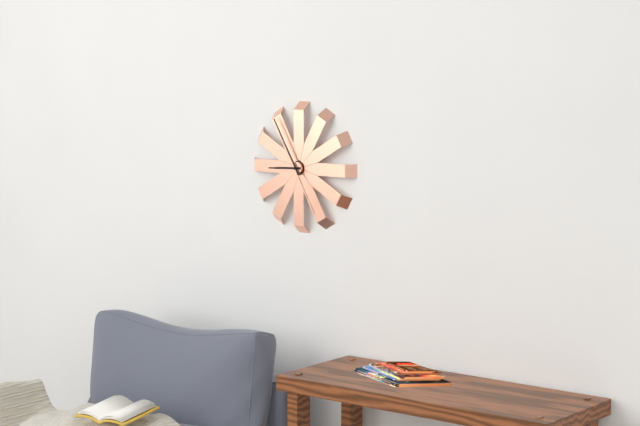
8,55,25
